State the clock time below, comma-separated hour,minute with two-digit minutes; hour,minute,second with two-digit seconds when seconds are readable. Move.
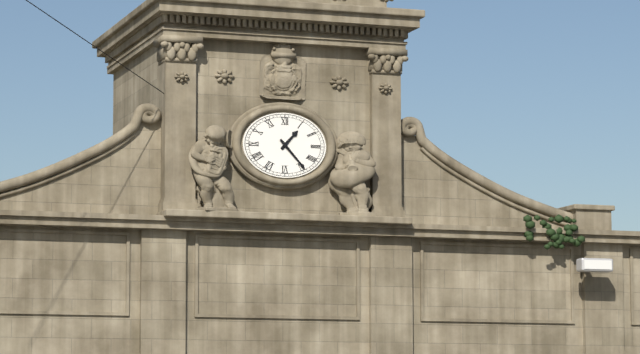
1,23
